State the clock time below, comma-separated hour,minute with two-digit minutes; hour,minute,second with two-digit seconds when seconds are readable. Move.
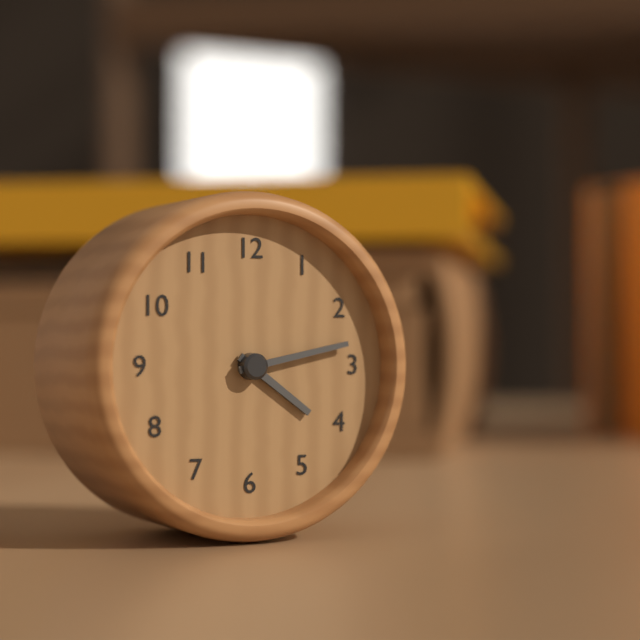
4,13
